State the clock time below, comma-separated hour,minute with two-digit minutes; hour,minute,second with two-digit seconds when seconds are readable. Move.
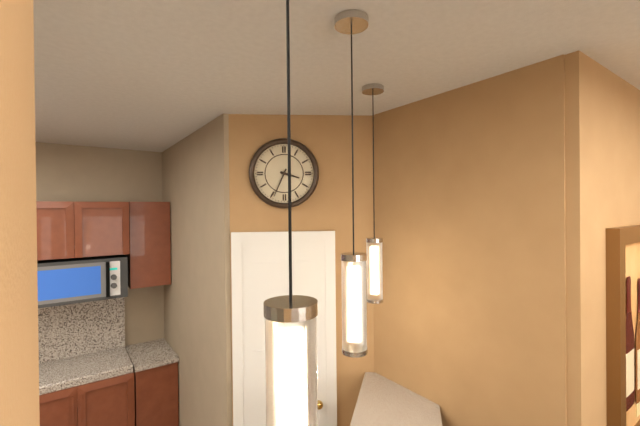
3,34
